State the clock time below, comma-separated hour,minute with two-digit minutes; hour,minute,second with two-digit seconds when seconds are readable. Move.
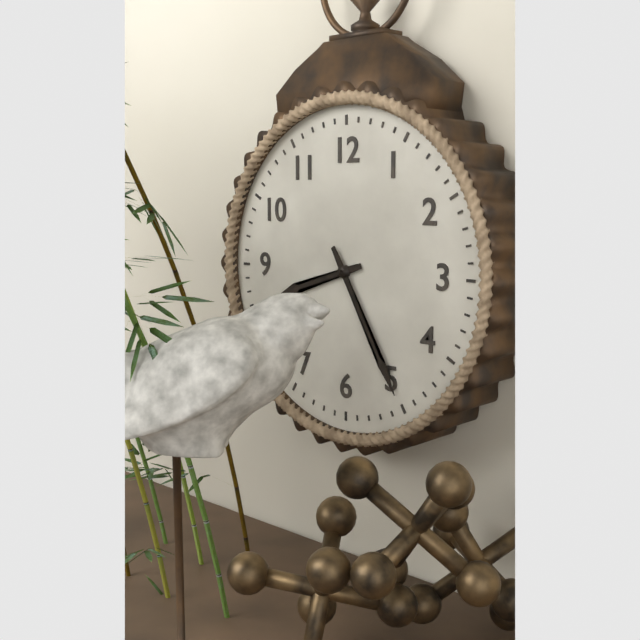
8,25
